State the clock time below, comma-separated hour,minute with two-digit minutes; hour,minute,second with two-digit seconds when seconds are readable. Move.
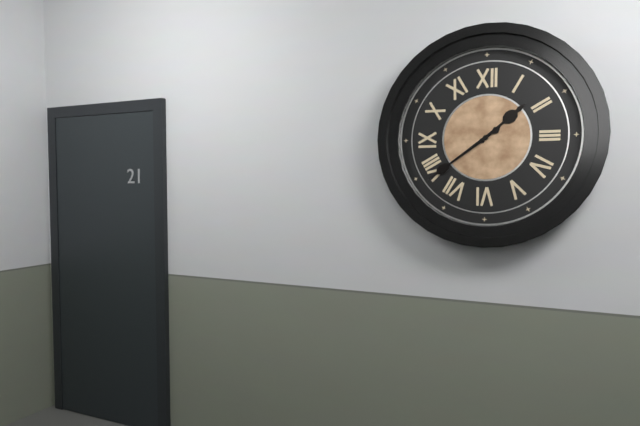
1,39
